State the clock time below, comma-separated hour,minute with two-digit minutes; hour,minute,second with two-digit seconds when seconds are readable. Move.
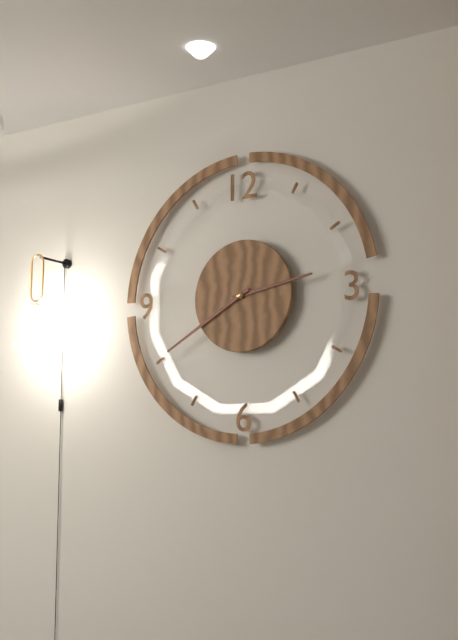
2,40
